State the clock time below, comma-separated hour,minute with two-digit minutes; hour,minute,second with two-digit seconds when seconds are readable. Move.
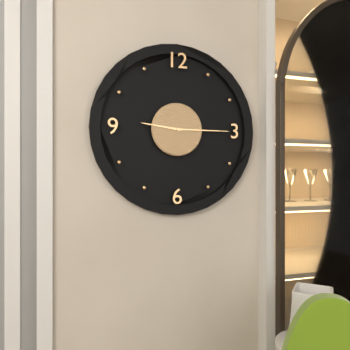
9,15
